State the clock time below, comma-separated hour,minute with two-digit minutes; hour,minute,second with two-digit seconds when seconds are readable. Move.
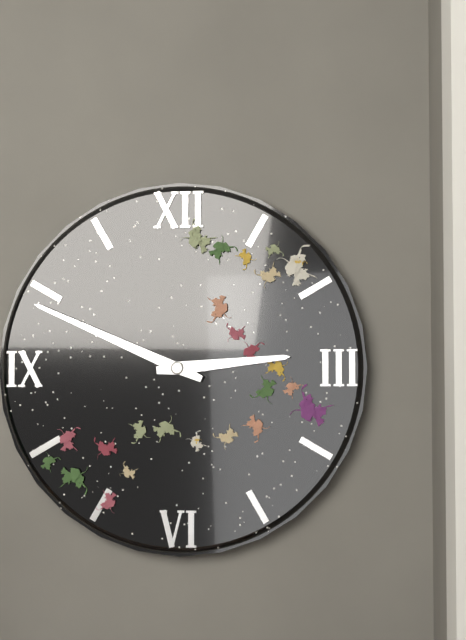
2,49
